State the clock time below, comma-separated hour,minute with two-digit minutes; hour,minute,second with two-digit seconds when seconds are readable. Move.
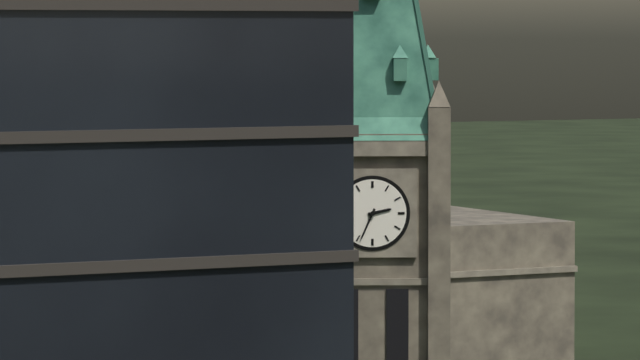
2,34
